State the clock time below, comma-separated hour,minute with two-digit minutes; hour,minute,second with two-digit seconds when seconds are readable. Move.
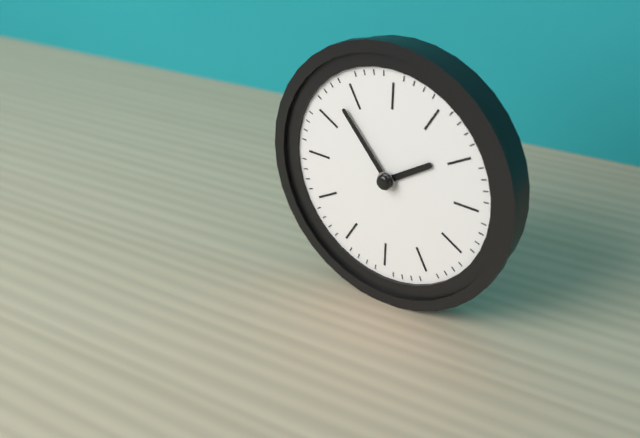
1,53
